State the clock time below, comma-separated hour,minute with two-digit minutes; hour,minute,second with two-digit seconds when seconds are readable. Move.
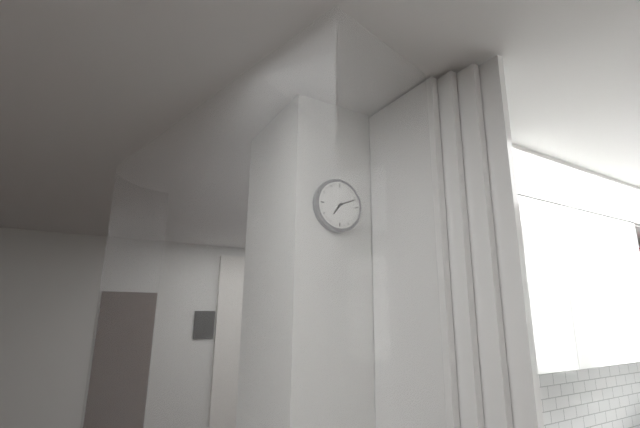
7,11
